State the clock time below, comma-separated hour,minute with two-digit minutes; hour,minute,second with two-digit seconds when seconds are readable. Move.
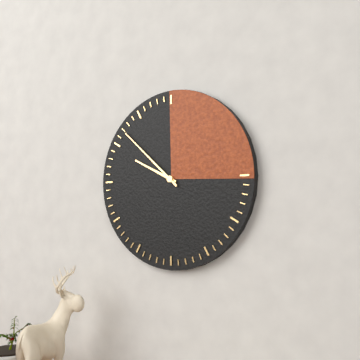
9,52
